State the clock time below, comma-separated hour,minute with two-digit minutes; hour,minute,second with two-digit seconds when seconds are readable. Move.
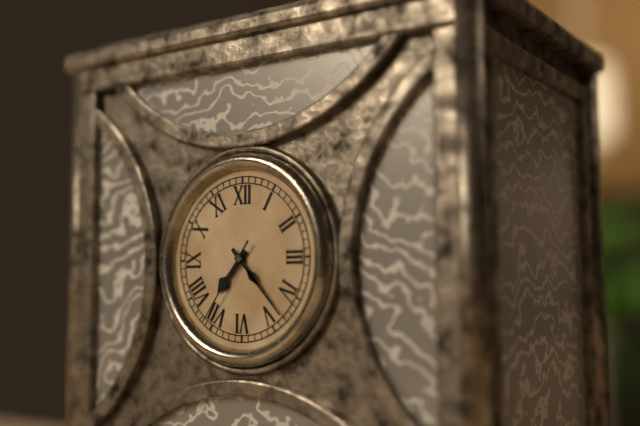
7,23,36
